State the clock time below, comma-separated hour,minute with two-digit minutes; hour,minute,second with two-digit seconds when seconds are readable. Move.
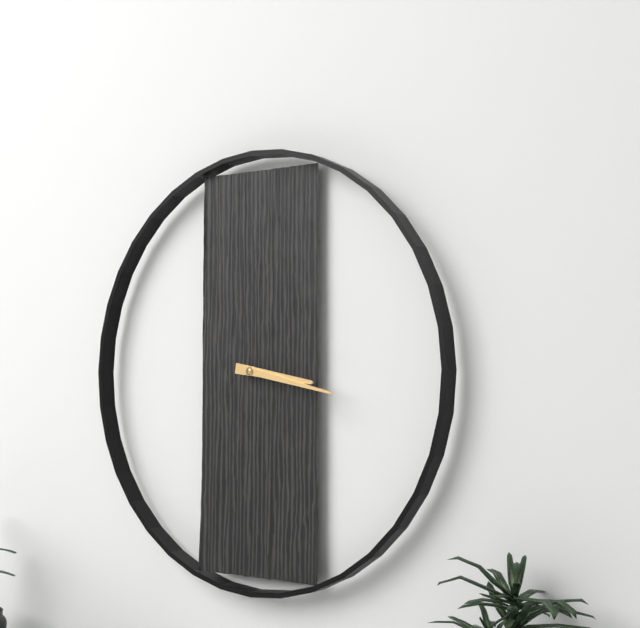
3,17
